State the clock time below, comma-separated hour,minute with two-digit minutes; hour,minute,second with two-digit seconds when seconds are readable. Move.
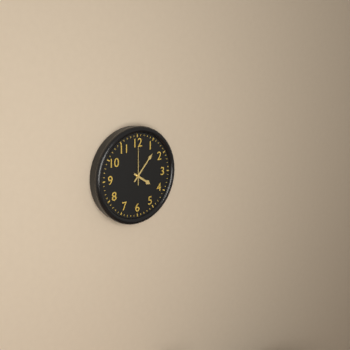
4,07
